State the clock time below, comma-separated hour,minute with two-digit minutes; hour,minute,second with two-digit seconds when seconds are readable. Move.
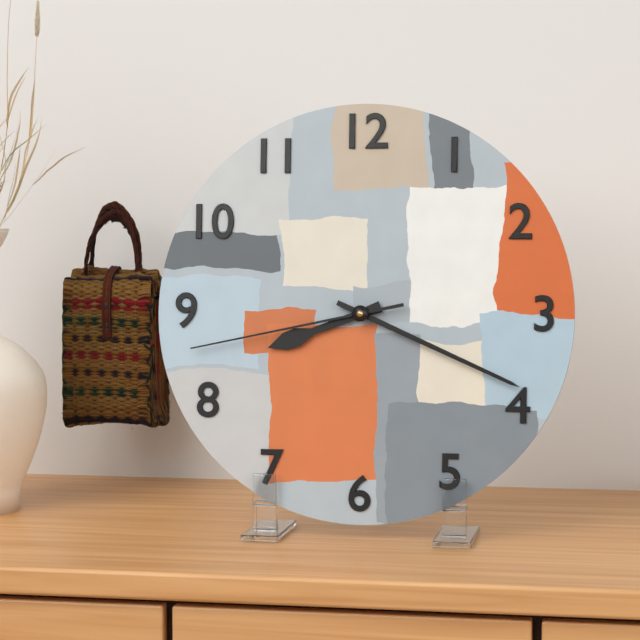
8,19,43
